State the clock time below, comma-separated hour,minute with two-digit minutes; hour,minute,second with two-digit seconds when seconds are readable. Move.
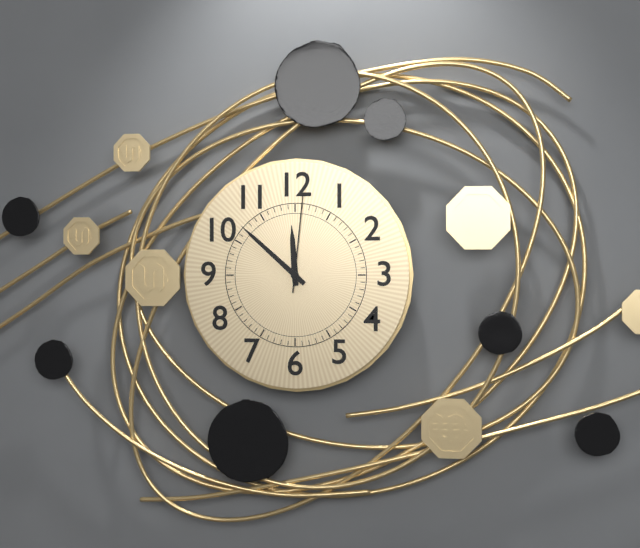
11,52,01
